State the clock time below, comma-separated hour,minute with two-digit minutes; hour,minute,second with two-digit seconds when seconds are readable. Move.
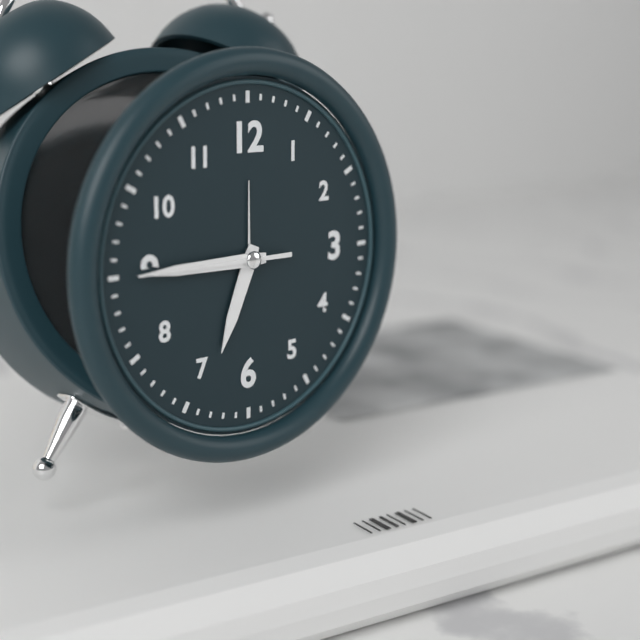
6,45,45
